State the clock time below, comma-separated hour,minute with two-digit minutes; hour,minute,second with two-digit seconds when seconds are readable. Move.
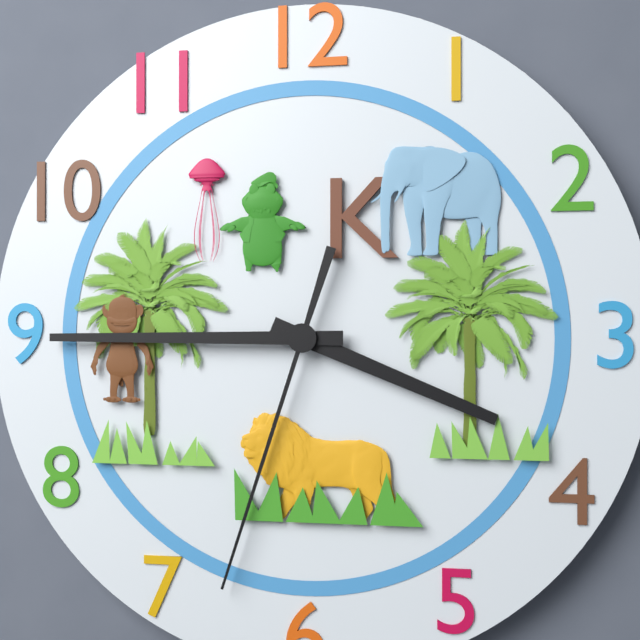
3,45,33
